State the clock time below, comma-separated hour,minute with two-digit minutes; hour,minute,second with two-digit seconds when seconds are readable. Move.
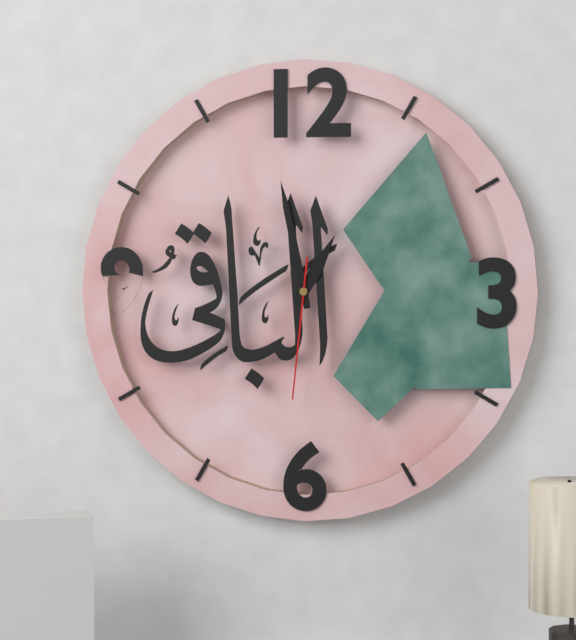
12,58,31
